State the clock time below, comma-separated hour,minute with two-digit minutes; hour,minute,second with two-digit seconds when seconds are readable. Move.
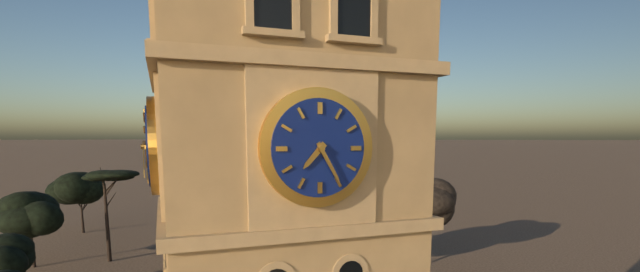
7,25
